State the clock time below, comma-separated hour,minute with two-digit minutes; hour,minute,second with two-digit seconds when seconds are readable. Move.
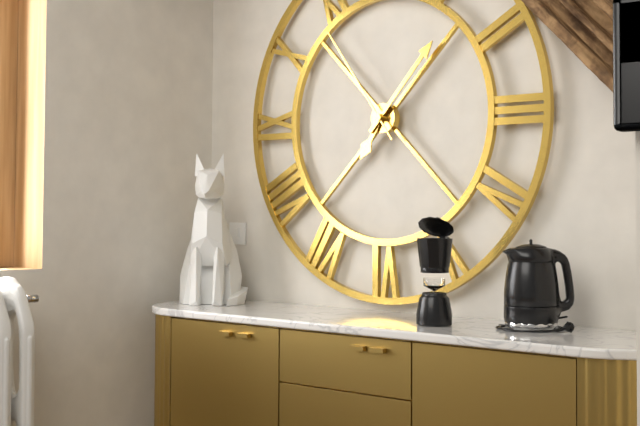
7,07,54
